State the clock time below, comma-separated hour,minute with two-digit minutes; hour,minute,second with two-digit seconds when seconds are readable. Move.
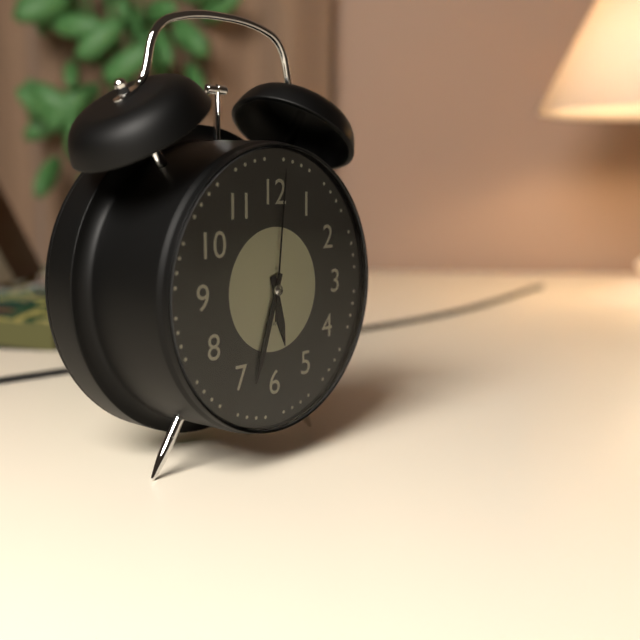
5,33,01
